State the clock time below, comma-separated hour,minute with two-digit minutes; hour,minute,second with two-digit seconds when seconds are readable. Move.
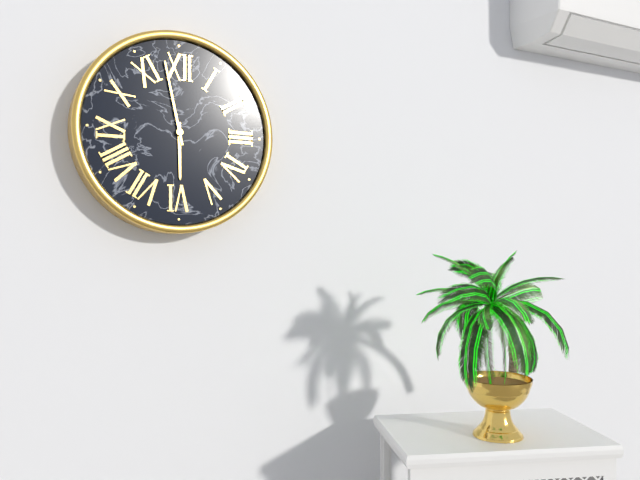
5,58
